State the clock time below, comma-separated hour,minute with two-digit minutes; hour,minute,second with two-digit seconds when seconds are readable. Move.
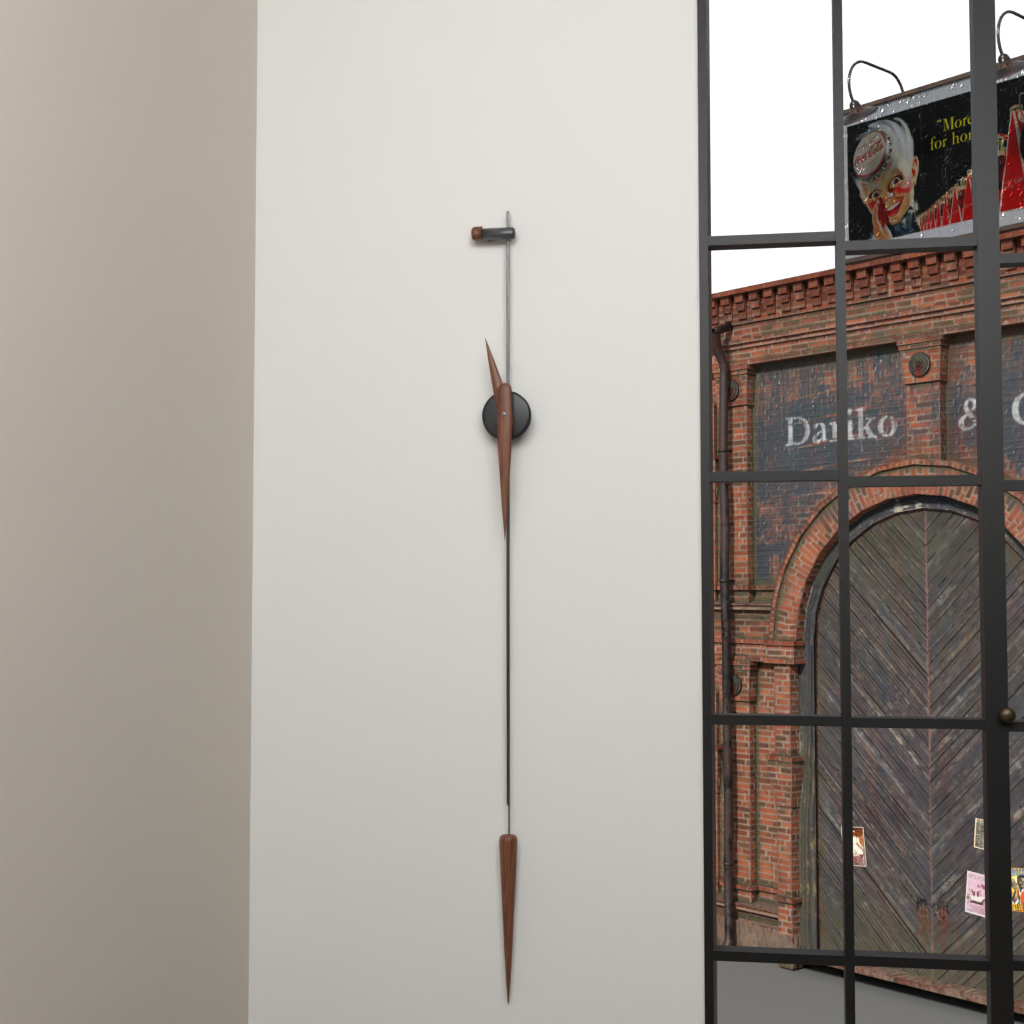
11,30
